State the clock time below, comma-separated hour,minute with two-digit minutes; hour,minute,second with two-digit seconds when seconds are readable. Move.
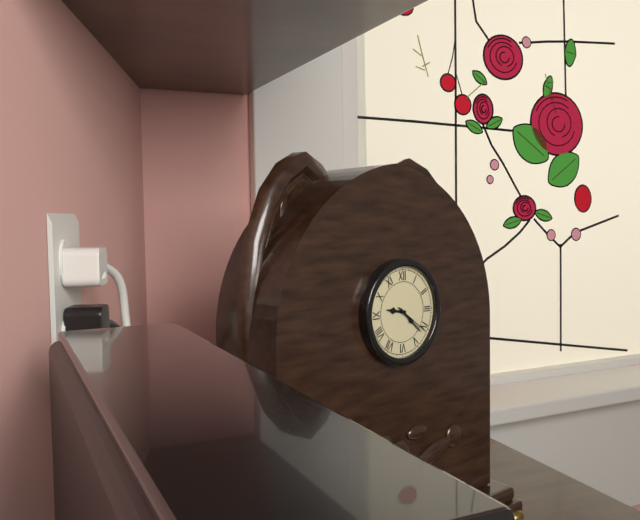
9,22
